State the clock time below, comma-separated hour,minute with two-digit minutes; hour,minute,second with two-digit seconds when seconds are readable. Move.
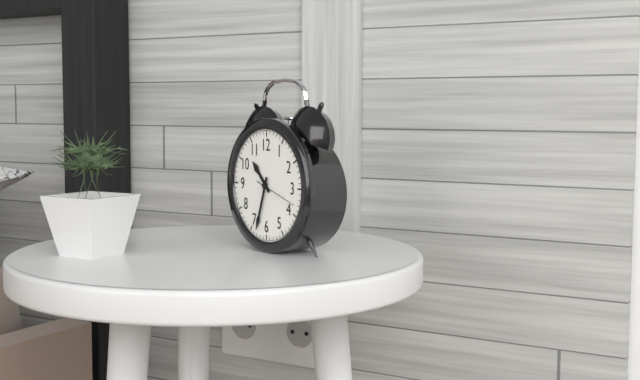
10,33
